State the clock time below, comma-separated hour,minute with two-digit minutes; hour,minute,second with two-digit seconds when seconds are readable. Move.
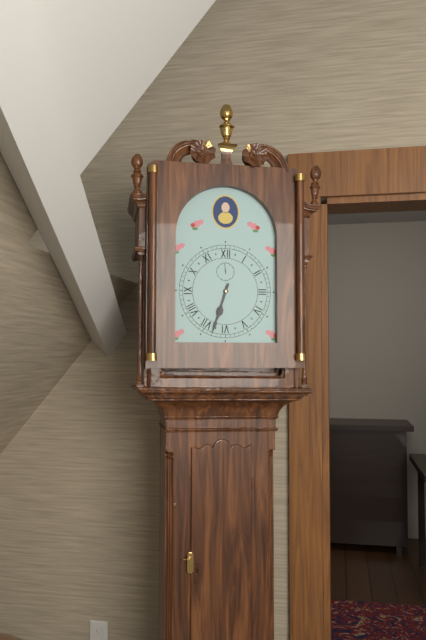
6,33
